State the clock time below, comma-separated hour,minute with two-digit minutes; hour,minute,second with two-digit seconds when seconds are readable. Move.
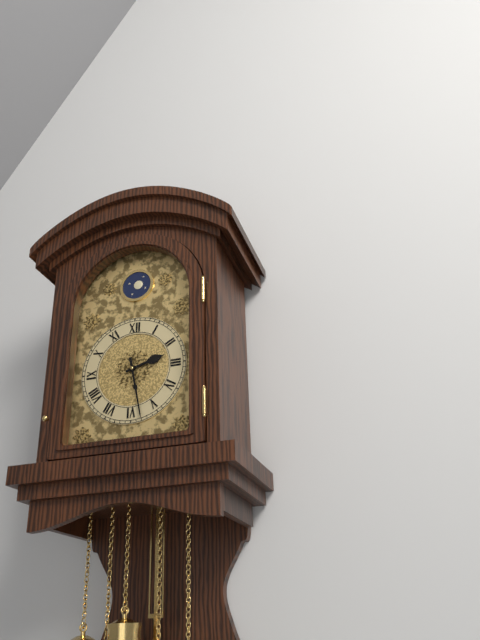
2,28
